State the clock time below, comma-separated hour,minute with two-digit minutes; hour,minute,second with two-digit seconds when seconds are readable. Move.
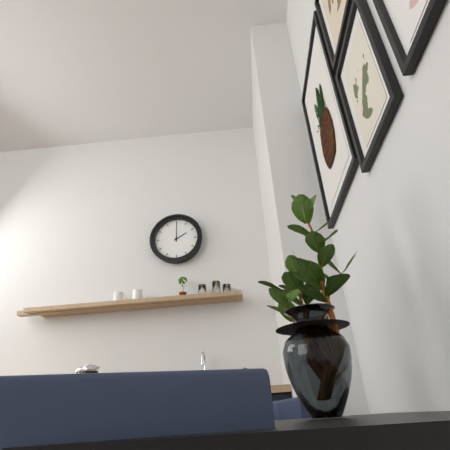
2,00
